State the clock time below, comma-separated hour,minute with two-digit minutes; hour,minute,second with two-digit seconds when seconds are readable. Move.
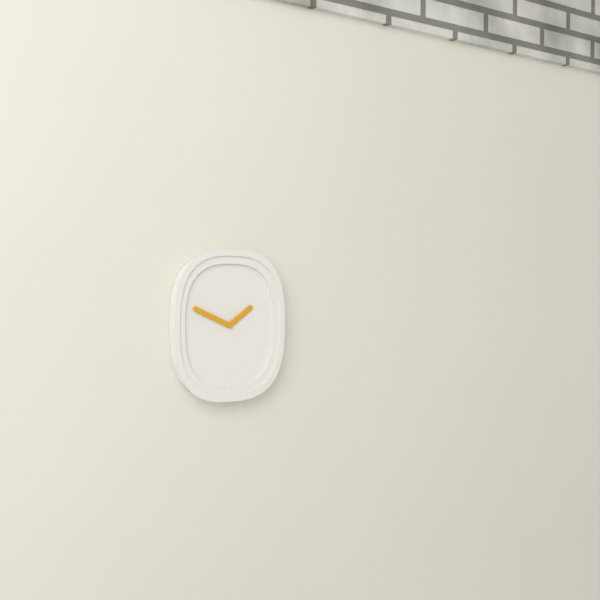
1,49
